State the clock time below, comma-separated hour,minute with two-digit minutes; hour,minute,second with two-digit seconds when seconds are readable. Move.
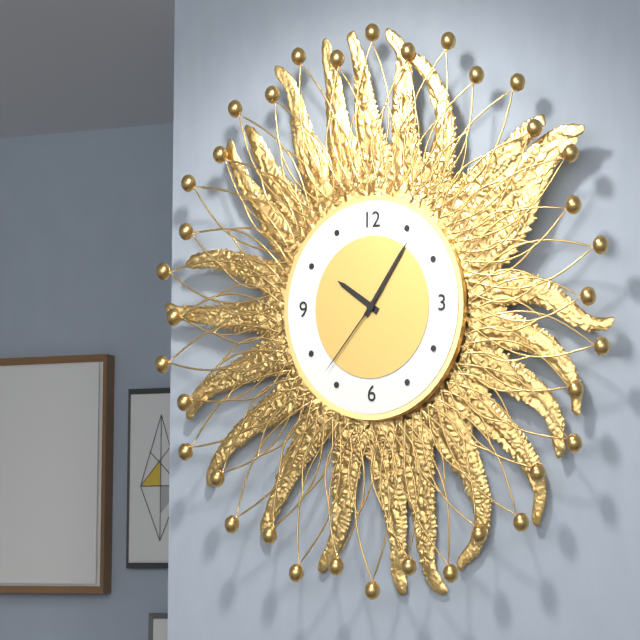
10,06,37
